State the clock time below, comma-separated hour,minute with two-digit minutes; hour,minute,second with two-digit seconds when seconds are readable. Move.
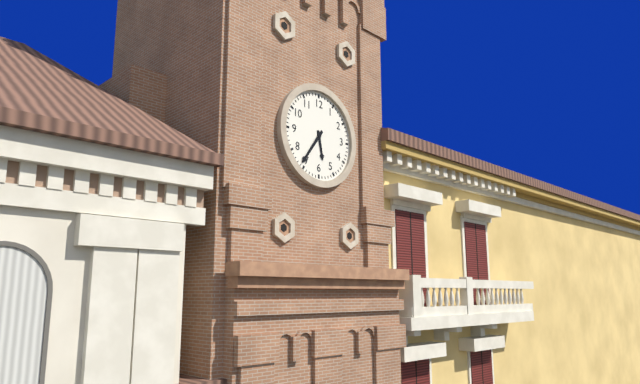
5,36
